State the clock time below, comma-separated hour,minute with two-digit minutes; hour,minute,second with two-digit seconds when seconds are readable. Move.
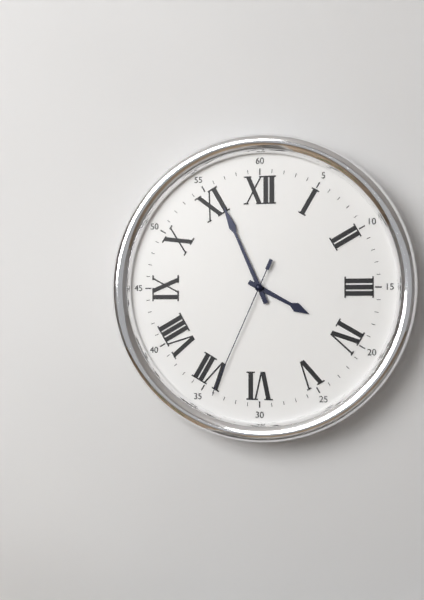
3,56,34
